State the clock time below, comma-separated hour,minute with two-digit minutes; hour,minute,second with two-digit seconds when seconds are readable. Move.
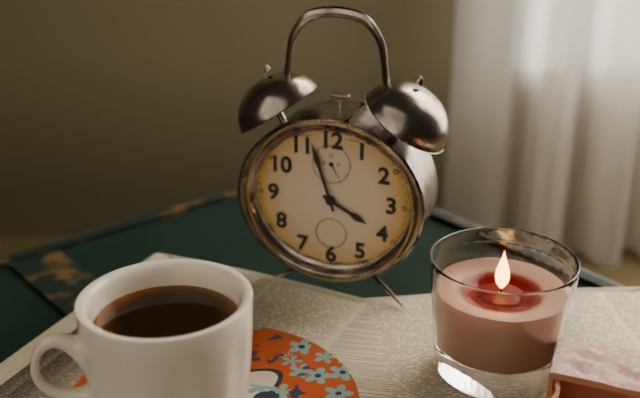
3,57
